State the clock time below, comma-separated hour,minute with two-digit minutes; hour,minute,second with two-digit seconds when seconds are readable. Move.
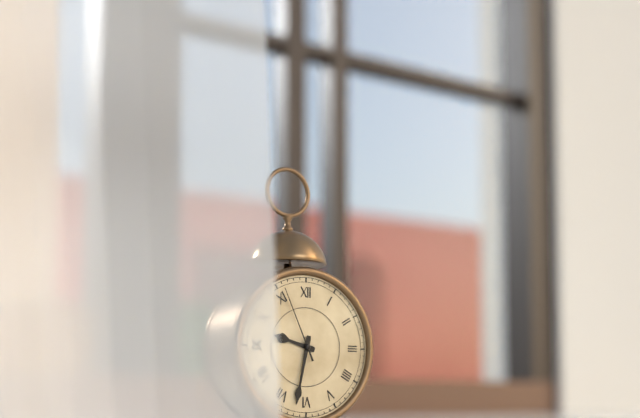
9,32,56
